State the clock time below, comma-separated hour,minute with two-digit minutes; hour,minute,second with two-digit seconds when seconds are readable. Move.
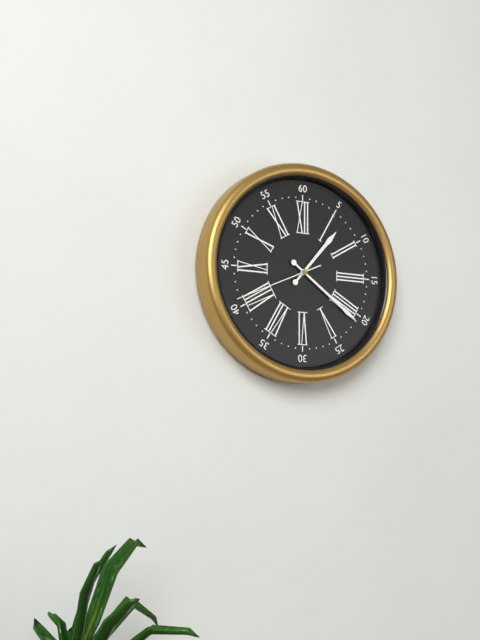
1,21,41
